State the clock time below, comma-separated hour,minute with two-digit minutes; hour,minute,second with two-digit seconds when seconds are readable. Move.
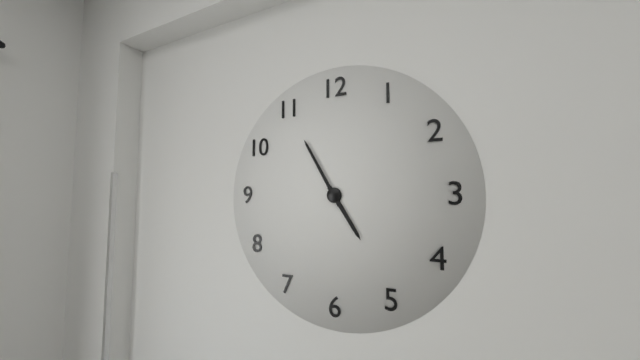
4,55
